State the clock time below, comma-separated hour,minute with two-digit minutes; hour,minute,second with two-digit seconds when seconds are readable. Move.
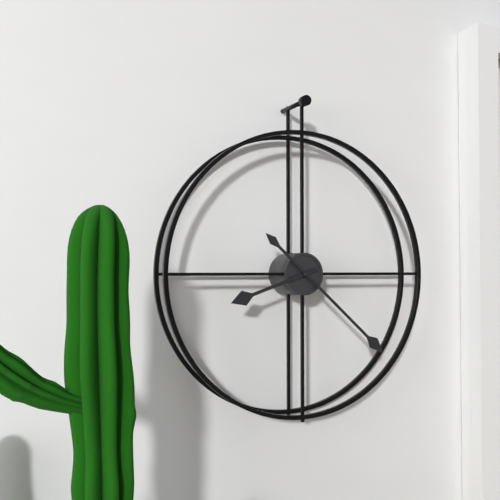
8,22
